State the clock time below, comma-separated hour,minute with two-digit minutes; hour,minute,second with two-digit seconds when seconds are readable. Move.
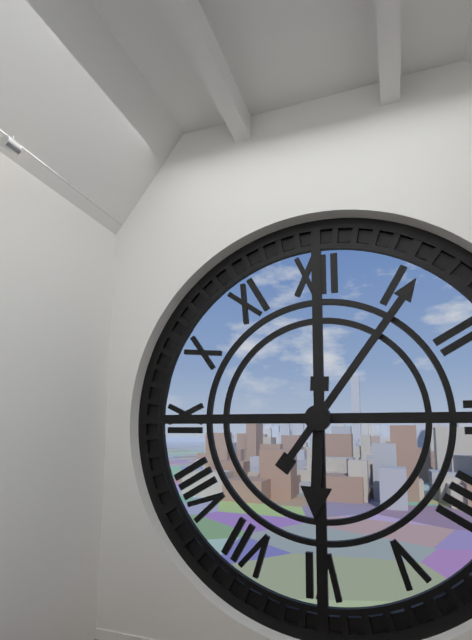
6,06
